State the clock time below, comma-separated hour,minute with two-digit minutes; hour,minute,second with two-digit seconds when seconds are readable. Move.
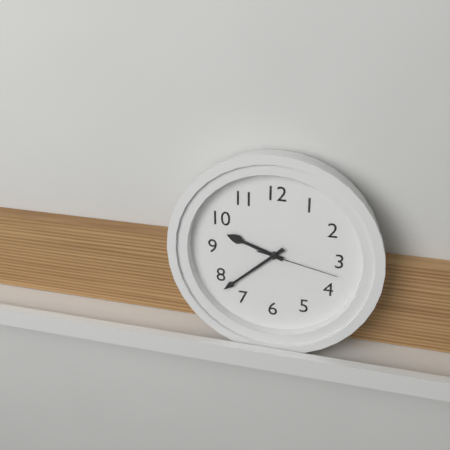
9,38,17
